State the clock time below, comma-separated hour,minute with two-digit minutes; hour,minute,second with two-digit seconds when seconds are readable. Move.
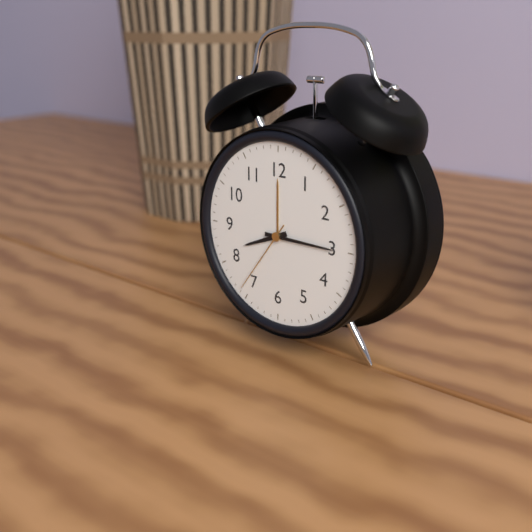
8,15,36
